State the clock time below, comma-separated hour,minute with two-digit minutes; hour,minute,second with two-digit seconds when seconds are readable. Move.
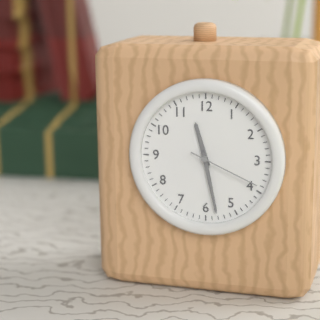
11,28,19
